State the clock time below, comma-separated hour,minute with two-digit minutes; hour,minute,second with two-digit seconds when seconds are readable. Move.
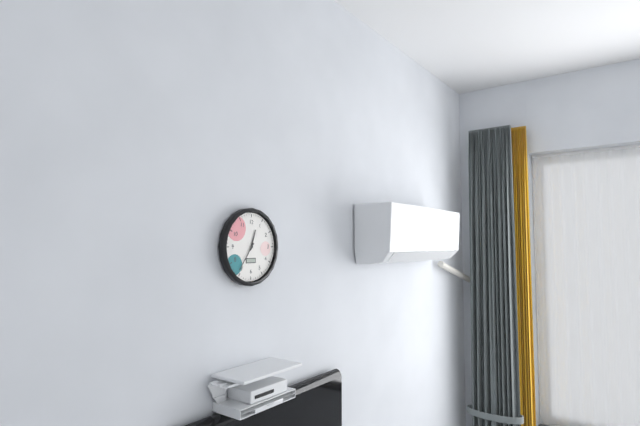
12,36
